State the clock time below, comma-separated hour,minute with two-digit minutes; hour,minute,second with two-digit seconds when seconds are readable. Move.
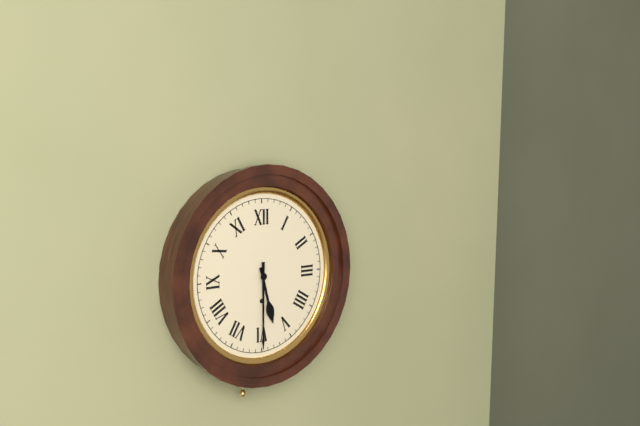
5,30
